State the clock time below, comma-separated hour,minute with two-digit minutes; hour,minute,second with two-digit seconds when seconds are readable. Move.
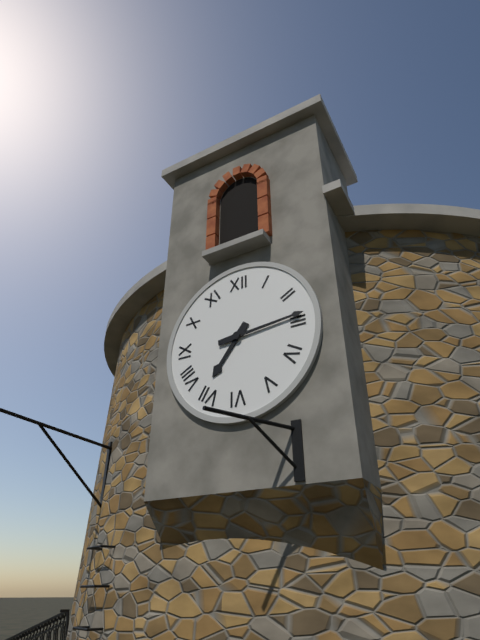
7,14
